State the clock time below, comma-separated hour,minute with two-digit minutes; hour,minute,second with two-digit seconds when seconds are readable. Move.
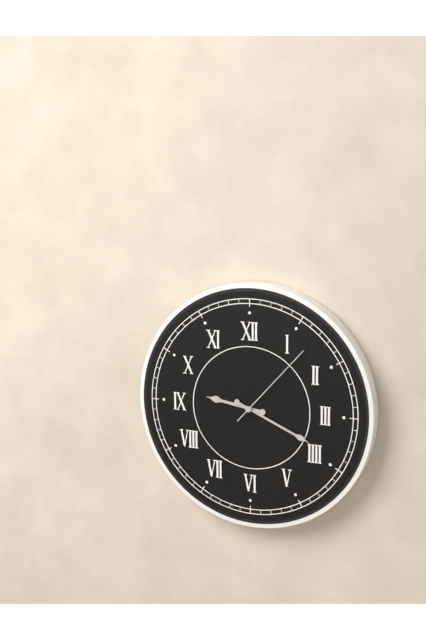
9,19,07
